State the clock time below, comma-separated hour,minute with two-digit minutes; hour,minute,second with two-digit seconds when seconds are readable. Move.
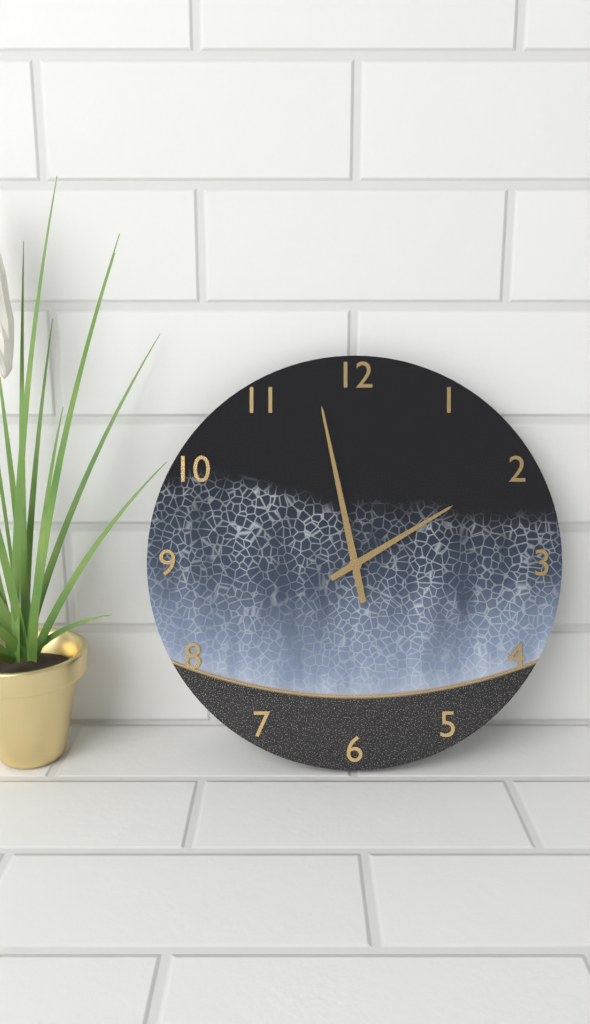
1,58
